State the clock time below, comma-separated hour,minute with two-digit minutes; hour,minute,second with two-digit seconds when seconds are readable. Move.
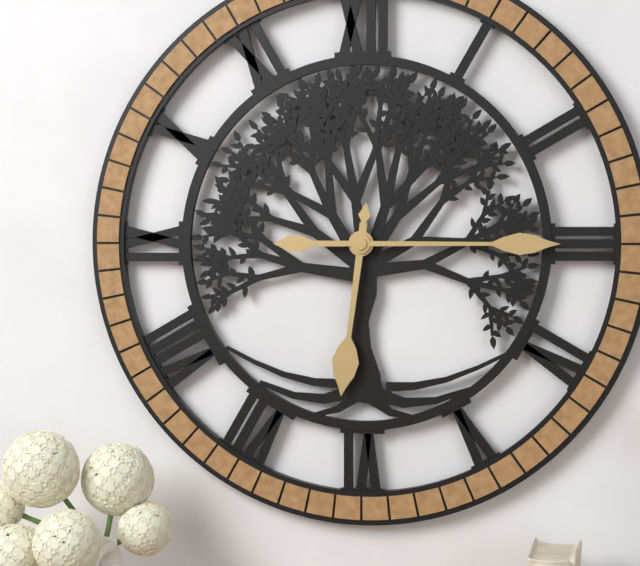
6,15
